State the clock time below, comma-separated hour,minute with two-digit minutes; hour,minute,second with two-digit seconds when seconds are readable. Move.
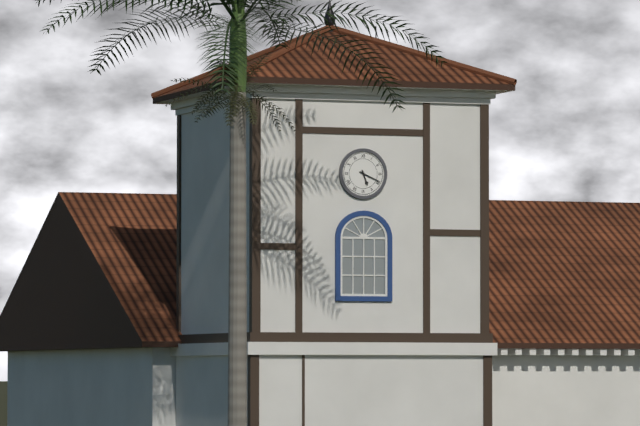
5,19
